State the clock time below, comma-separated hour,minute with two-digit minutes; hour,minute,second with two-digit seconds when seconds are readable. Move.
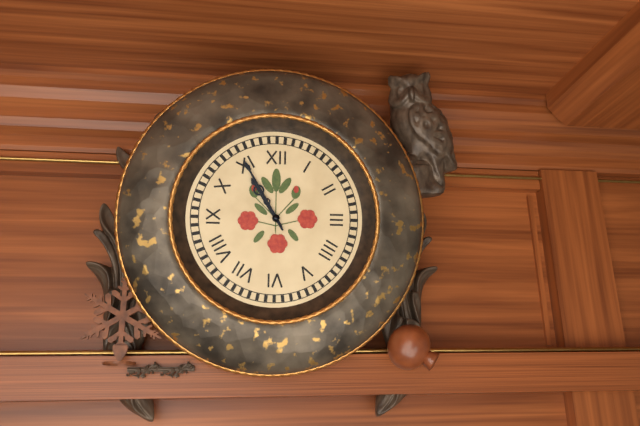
10,55
